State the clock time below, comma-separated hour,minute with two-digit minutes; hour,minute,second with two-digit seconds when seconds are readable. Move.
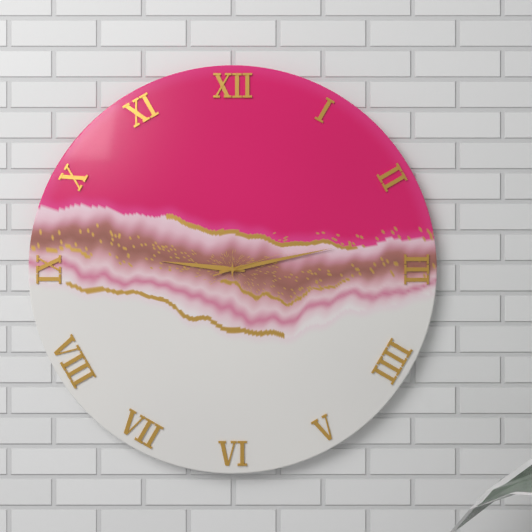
9,13,12
